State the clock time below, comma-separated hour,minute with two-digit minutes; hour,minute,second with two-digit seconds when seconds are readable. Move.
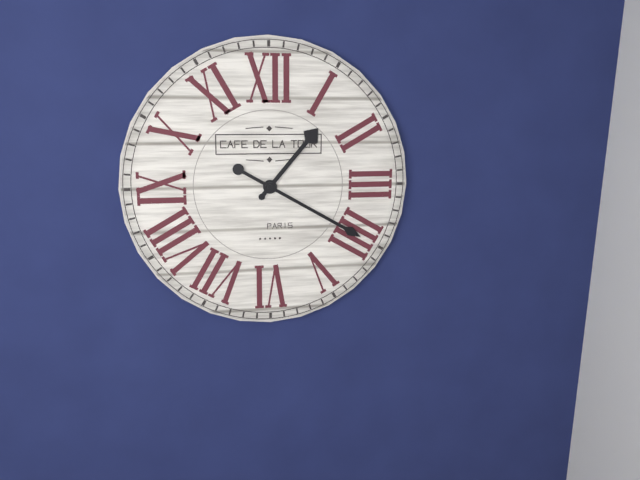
1,20
